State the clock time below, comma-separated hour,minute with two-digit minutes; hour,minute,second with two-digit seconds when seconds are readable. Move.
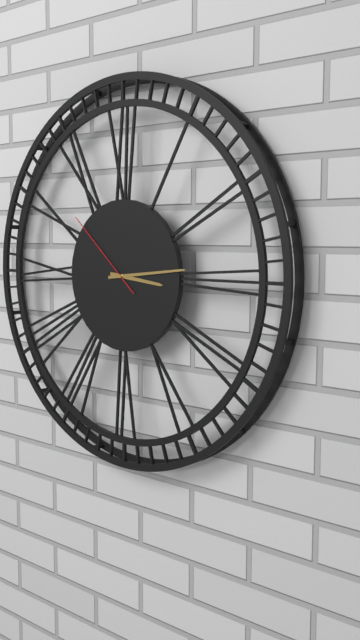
3,14,52
